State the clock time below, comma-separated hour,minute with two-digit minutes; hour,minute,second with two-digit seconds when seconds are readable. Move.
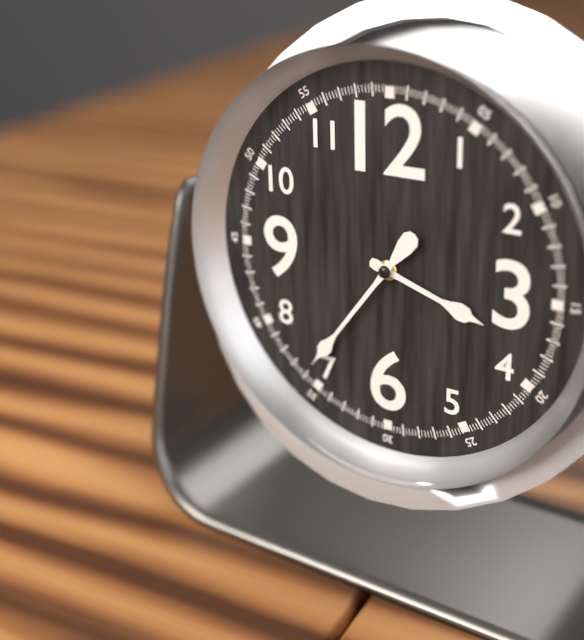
3,36
